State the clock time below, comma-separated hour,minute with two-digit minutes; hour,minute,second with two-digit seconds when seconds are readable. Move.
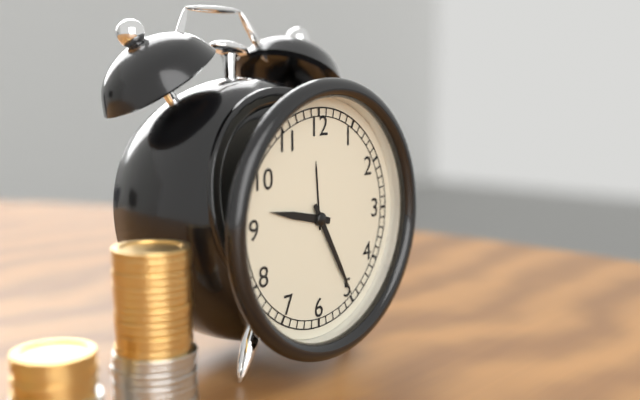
9,25
